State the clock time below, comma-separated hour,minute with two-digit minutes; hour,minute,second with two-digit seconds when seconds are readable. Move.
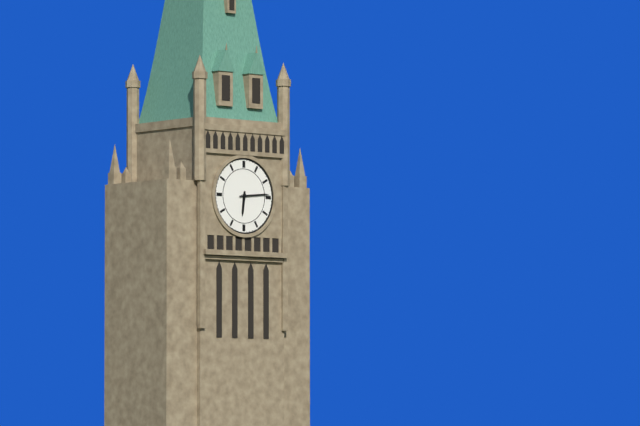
6,14
